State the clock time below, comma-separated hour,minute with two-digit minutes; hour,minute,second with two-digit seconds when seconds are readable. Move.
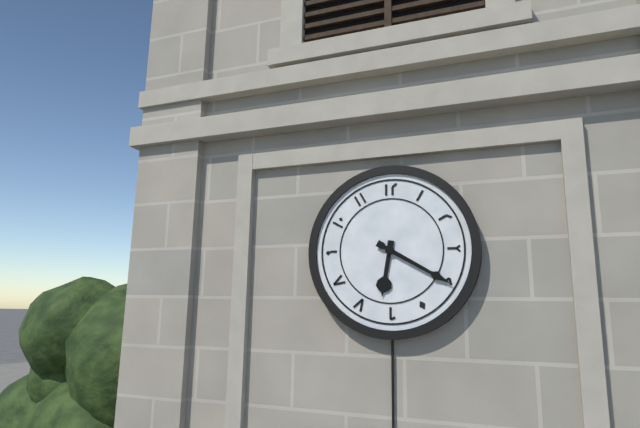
6,20
